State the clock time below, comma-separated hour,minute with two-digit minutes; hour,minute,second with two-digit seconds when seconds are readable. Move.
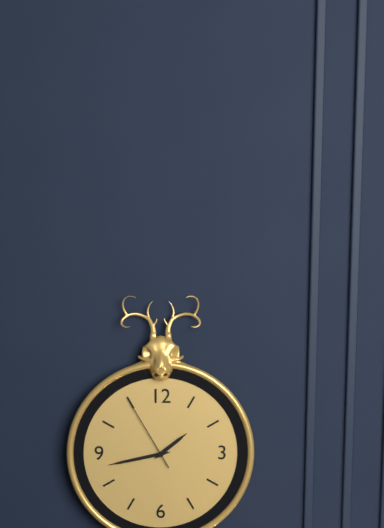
1,43,55
